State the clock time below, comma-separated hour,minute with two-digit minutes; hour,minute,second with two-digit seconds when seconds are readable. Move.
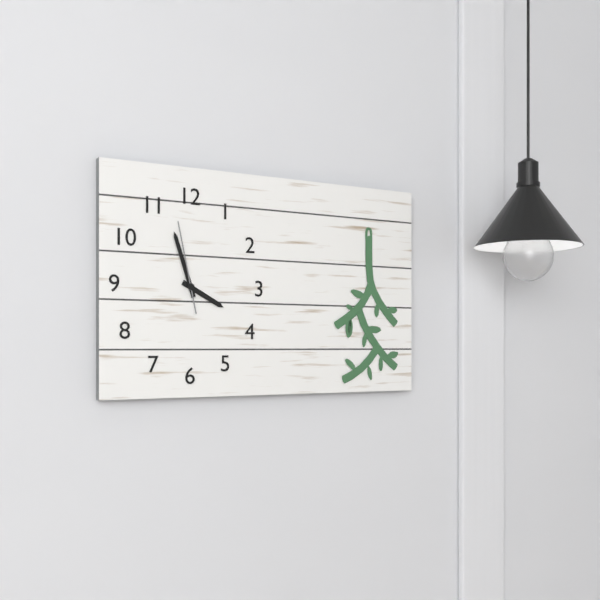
3,57,58
